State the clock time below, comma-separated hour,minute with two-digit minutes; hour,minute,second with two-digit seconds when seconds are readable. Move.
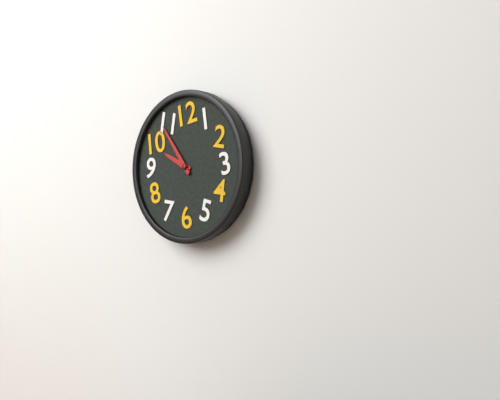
9,54
